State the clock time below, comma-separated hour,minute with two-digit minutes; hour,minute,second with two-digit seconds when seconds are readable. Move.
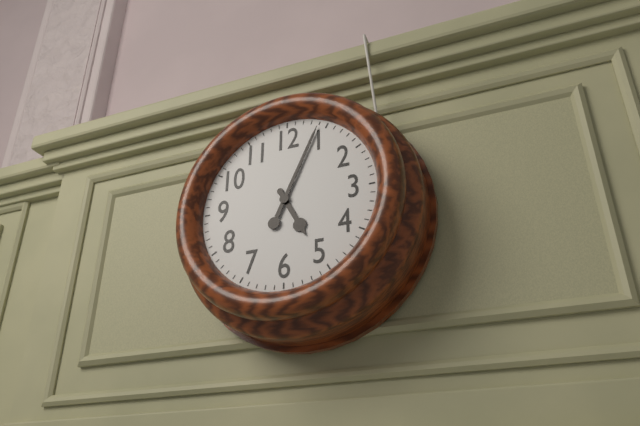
5,04
